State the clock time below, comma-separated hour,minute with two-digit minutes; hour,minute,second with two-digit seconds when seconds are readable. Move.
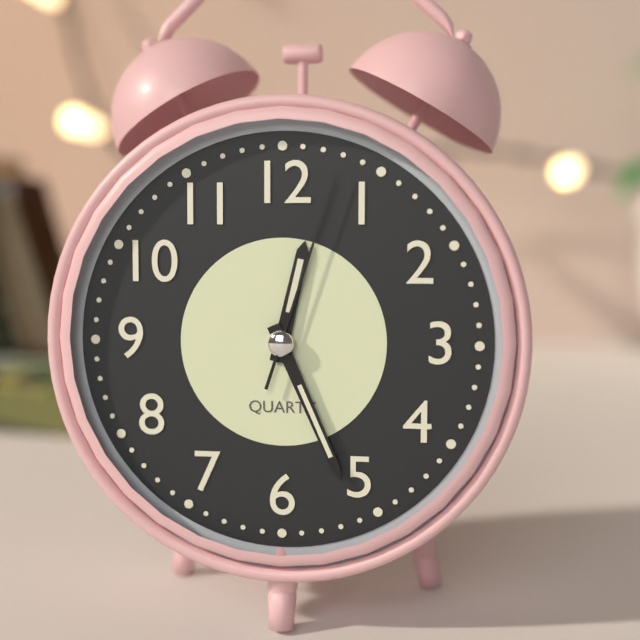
12,26,03
